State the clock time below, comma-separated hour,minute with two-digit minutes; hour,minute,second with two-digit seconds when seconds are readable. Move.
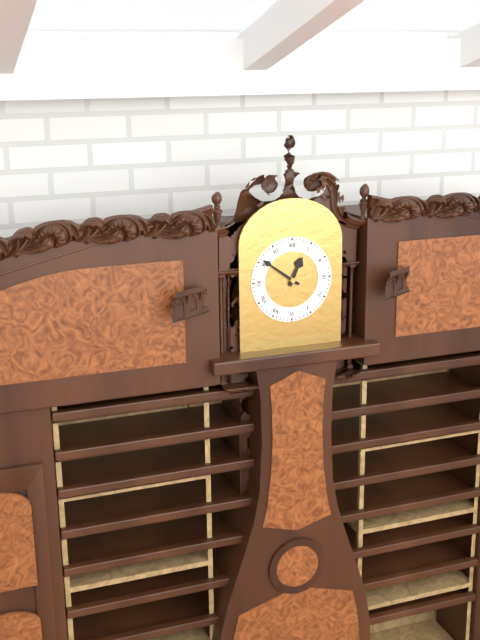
12,51
